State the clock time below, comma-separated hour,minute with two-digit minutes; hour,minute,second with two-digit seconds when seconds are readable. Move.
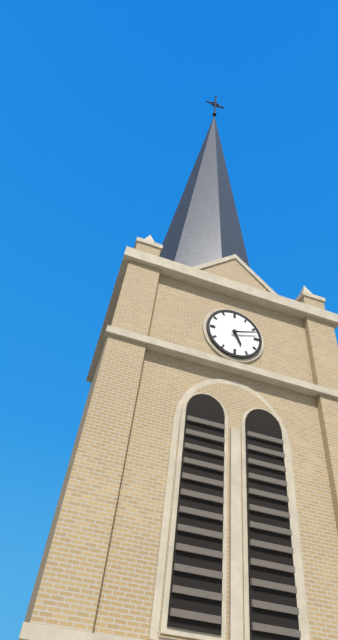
5,12
